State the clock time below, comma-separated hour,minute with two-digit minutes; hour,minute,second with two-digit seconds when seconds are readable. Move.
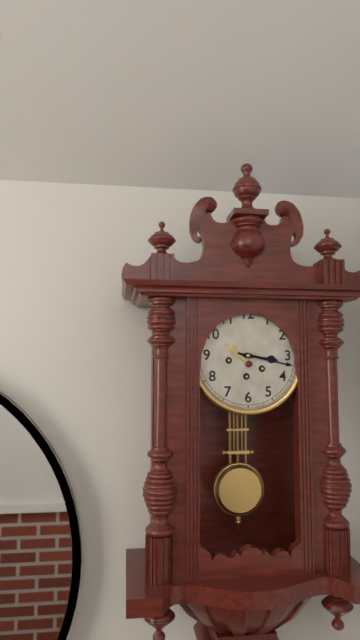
3,17
